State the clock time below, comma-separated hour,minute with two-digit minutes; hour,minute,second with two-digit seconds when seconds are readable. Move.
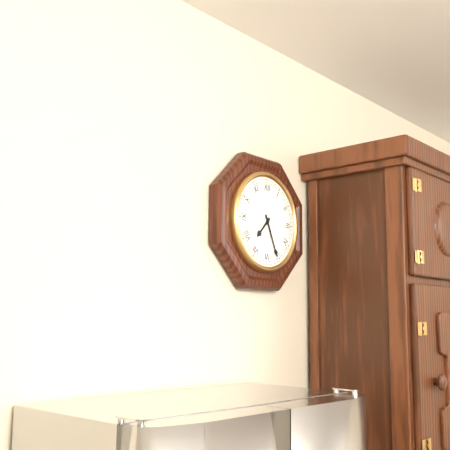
7,26
